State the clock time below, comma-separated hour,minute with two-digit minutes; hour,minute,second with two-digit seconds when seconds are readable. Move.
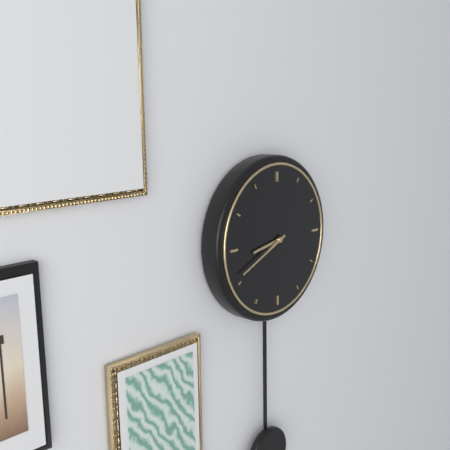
8,41
